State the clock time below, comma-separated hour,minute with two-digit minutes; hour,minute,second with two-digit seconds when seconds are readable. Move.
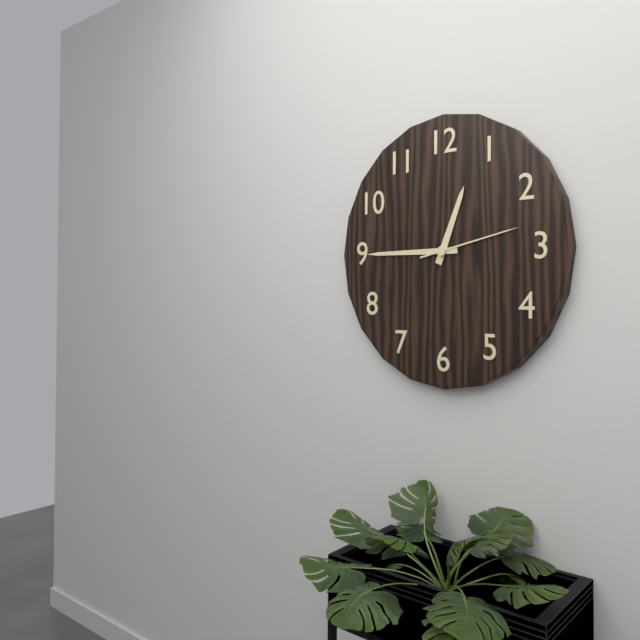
12,45,13
